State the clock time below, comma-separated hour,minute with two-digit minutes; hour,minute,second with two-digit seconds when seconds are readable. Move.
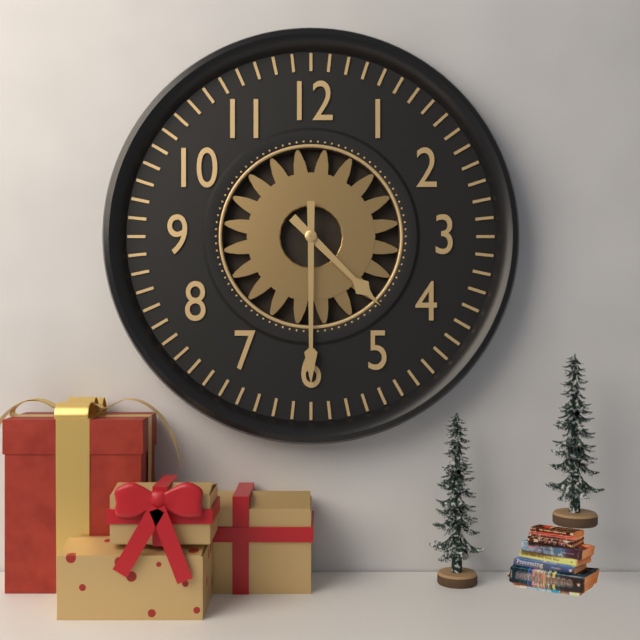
4,30
